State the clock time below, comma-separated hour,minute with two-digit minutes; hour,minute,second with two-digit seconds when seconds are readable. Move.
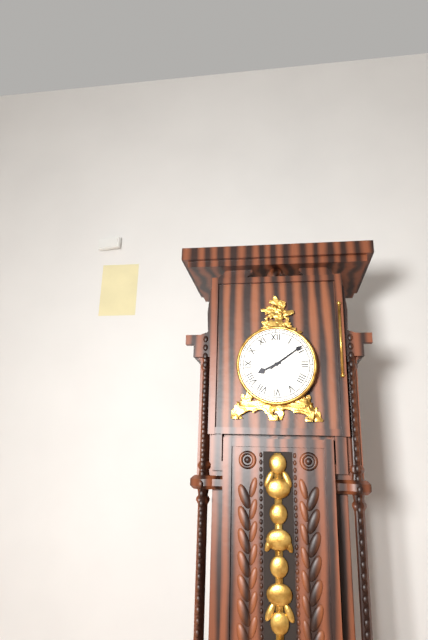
8,09
